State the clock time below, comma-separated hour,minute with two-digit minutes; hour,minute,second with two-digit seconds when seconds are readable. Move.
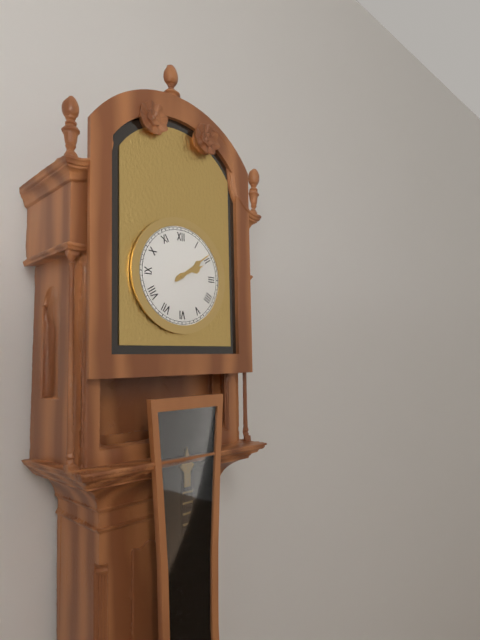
2,09
